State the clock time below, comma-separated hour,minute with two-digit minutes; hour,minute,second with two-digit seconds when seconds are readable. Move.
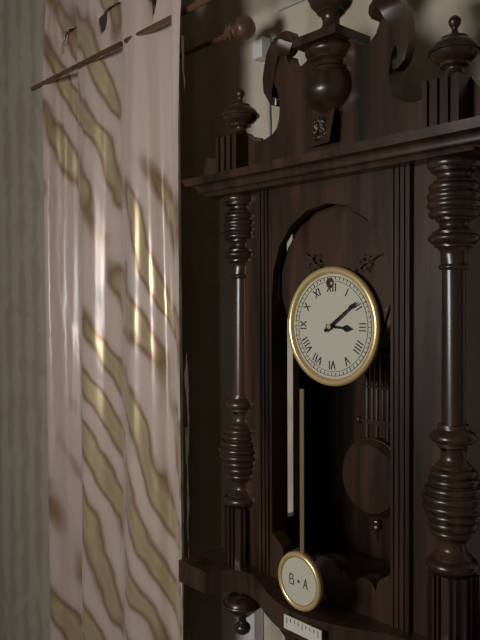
3,09
